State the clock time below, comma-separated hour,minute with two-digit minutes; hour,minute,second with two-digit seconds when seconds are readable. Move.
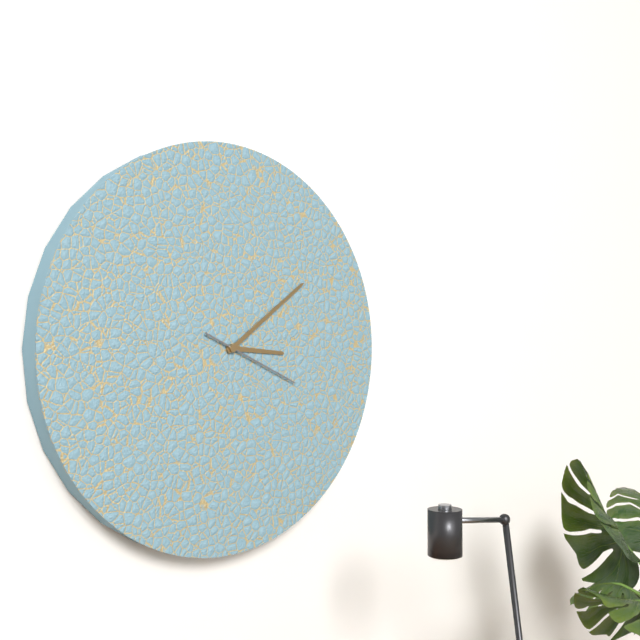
3,09,19
